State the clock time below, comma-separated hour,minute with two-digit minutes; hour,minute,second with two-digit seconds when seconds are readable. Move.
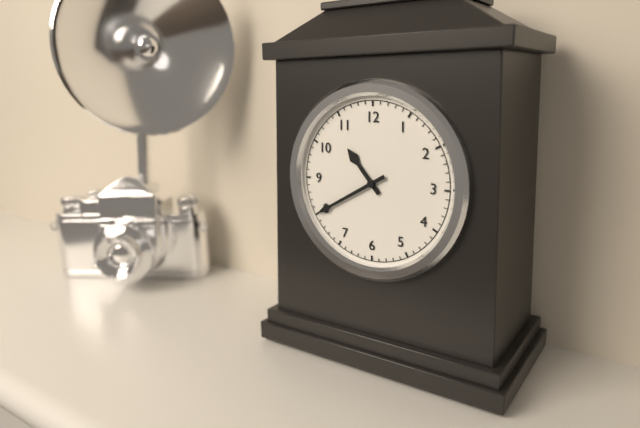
10,40
